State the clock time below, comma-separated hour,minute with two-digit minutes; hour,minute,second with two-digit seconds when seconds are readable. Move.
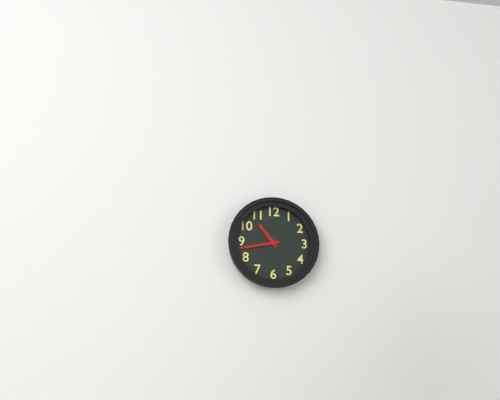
10,43
